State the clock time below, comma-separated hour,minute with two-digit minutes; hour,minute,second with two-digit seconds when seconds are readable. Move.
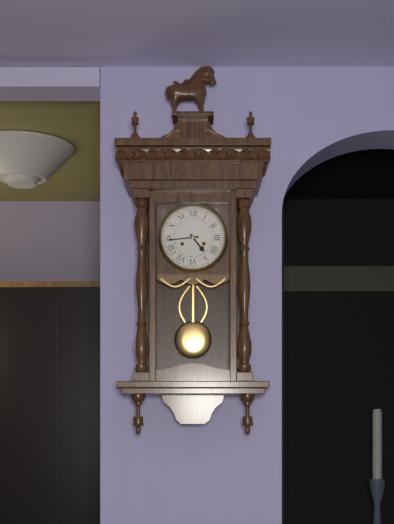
4,44
